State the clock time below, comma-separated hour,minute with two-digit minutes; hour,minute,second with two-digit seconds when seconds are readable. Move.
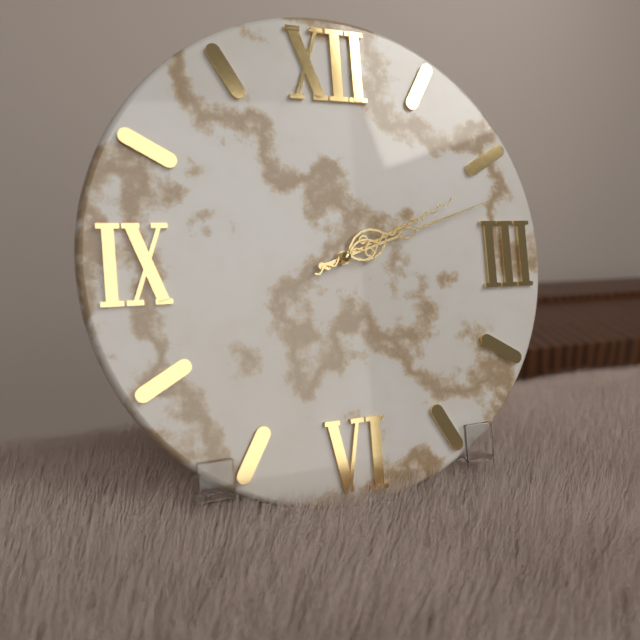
2,12,11
